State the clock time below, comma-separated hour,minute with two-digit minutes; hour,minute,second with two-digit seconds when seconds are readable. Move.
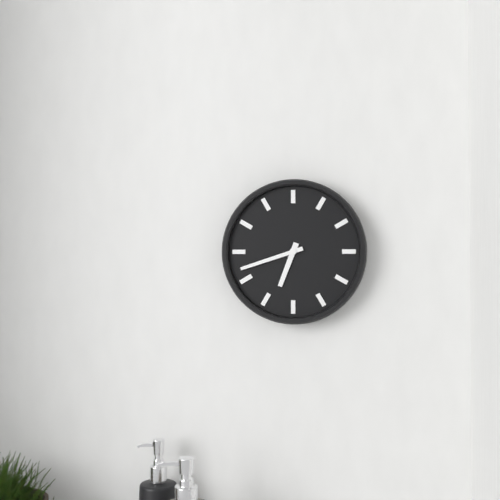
6,42
